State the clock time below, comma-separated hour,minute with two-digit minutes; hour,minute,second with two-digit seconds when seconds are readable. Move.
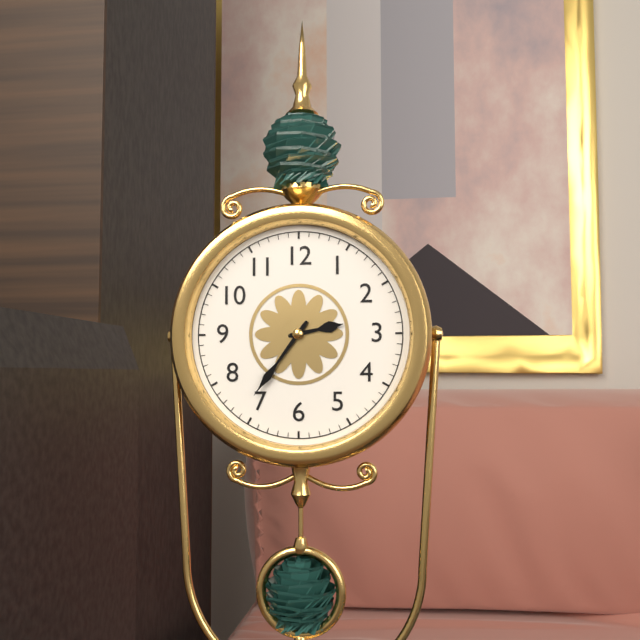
2,36
